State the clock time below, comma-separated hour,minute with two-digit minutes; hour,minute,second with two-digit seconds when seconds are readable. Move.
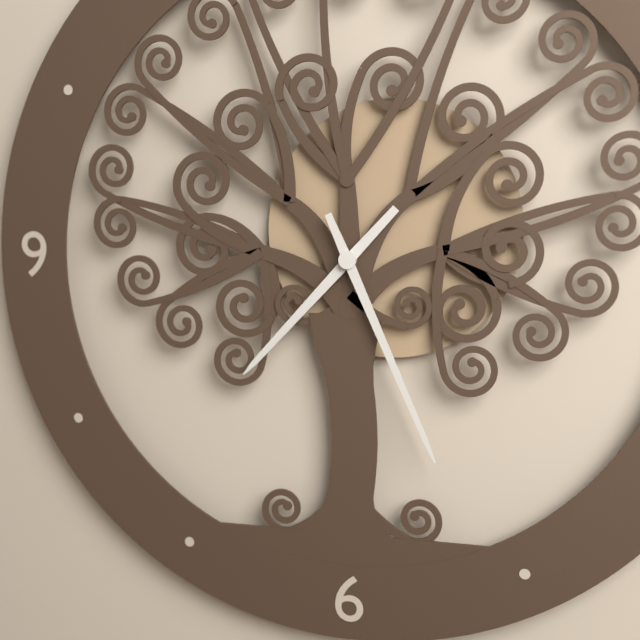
7,26
